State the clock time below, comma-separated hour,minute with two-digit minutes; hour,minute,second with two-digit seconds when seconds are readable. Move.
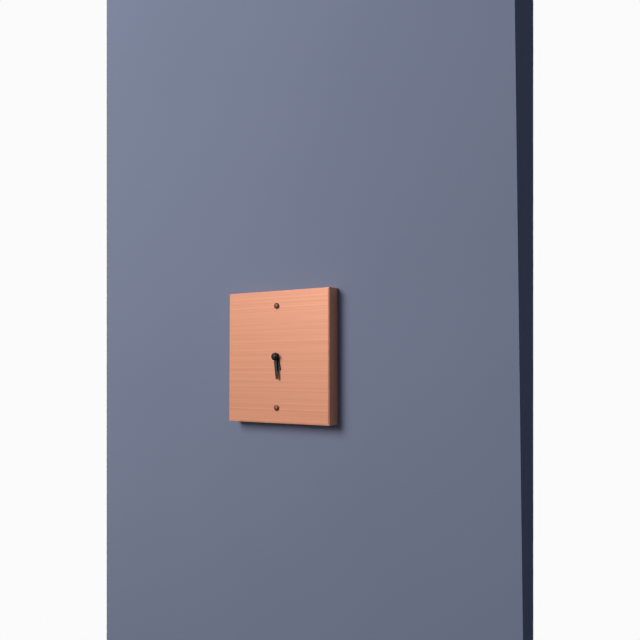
5,29
